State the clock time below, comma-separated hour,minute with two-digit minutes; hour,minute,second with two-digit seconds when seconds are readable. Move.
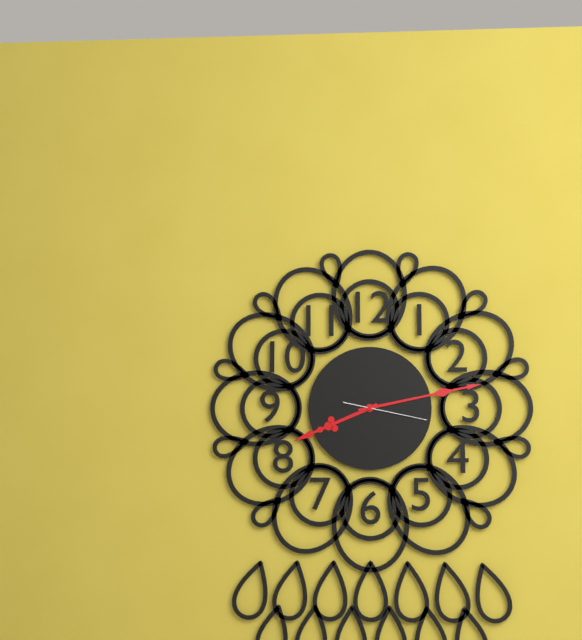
8,13,17
